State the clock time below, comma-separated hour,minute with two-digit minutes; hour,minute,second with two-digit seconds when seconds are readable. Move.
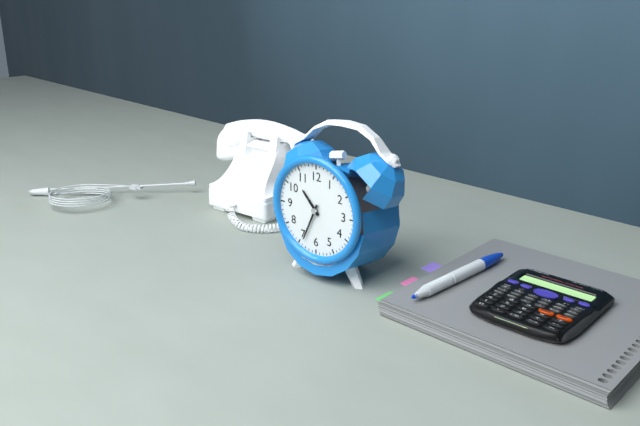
10,34
